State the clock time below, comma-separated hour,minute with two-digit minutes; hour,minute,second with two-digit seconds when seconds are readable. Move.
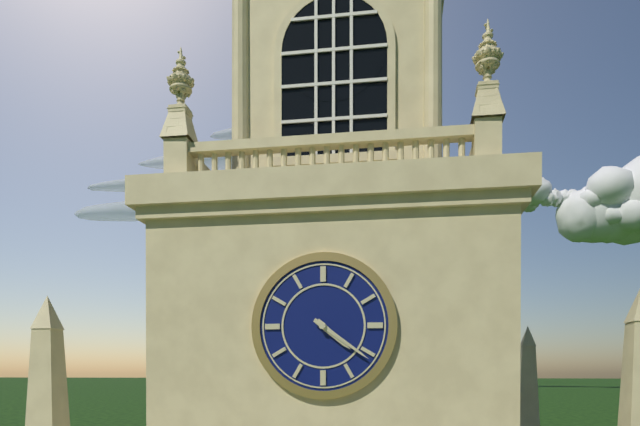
4,21
